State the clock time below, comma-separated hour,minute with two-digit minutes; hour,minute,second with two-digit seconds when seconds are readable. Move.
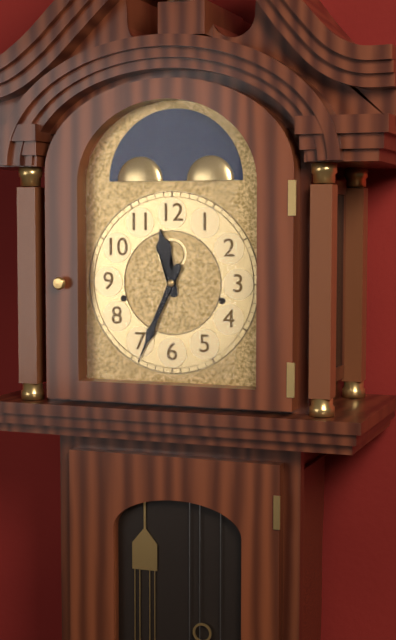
11,34
